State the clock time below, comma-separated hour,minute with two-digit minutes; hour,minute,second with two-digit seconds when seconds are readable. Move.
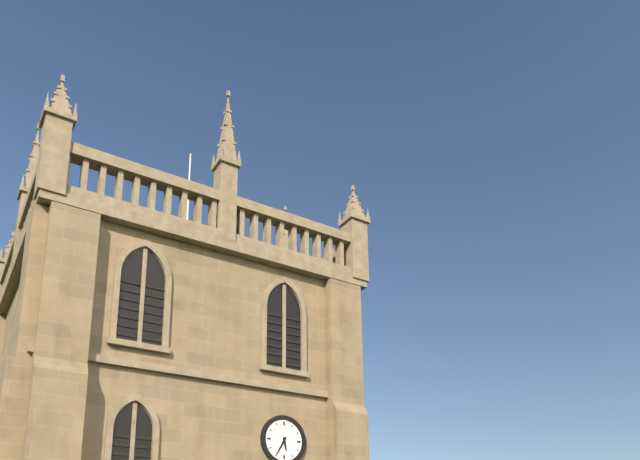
5,35
